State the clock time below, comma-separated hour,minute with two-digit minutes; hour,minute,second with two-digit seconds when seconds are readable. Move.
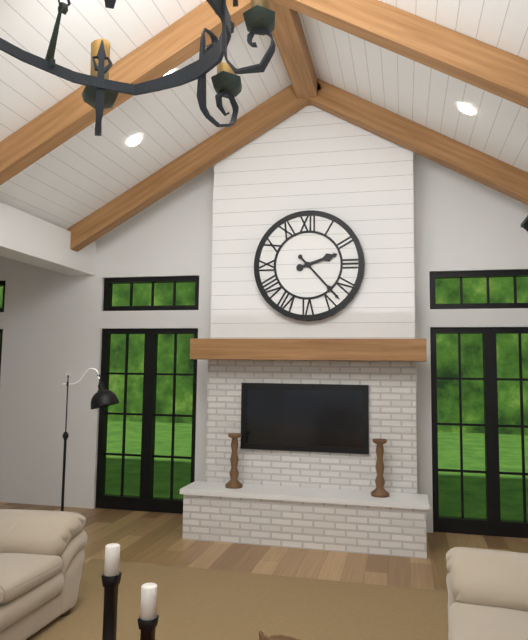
2,23
